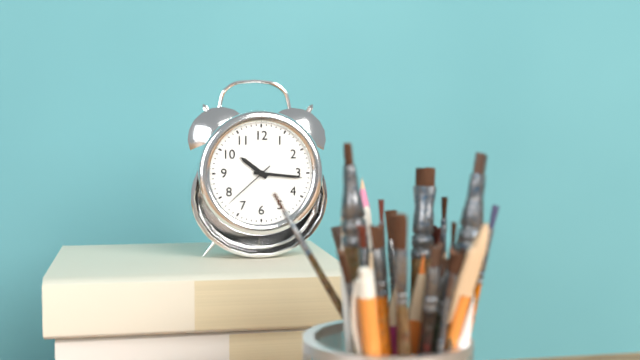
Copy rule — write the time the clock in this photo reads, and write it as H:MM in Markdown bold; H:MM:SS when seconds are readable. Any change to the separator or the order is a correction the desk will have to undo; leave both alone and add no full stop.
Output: **10:16:38**
